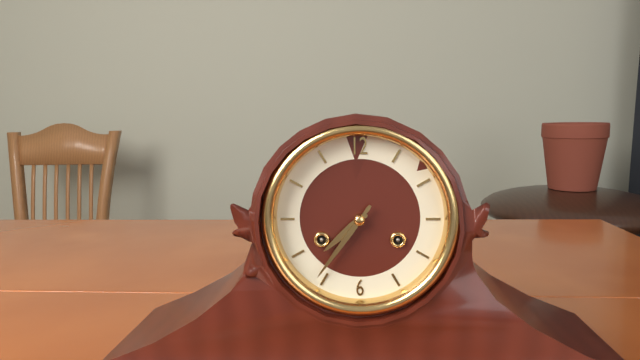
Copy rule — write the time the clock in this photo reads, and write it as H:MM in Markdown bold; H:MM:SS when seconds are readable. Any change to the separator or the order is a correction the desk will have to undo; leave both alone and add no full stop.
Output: **7:36**
